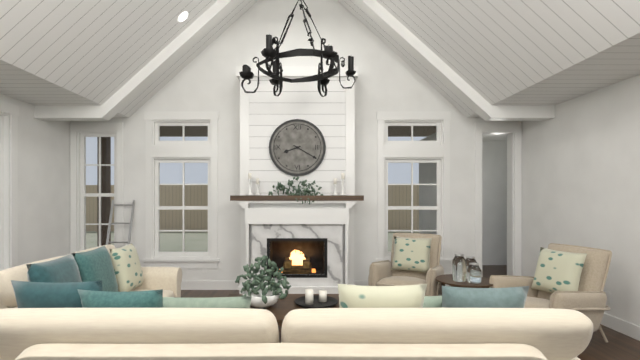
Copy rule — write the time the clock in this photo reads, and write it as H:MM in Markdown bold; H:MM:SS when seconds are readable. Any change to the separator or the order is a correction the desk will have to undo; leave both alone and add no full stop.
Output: **8:20**
